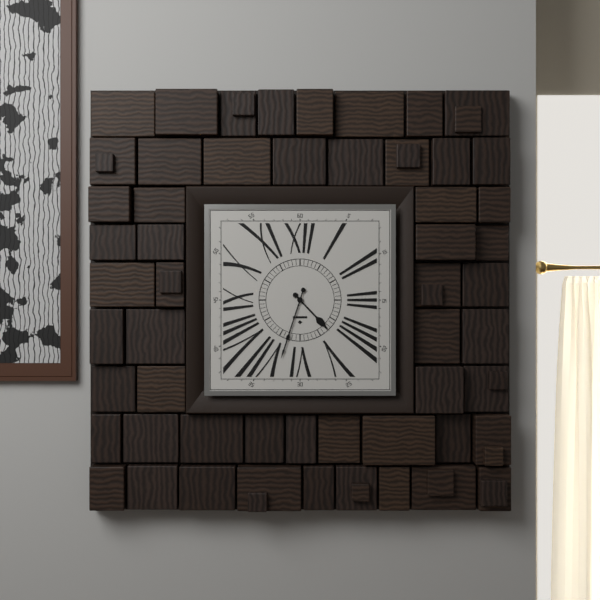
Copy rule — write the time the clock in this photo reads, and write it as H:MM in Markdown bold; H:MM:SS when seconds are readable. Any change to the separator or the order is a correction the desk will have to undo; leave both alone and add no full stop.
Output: **4:33**
